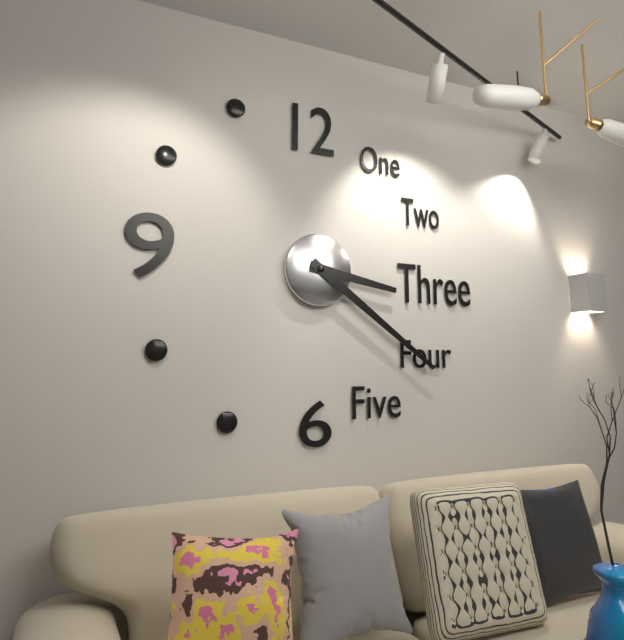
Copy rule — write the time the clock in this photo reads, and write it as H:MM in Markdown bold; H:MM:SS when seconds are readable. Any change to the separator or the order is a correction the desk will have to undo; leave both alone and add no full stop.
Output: **3:21**
